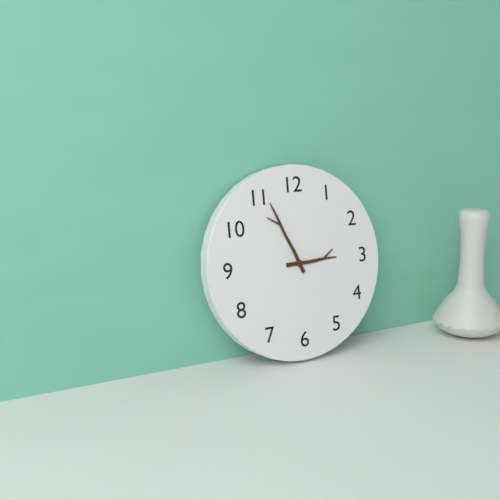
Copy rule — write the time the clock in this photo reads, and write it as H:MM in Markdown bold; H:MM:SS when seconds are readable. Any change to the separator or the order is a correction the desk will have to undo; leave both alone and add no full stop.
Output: **2:56**
